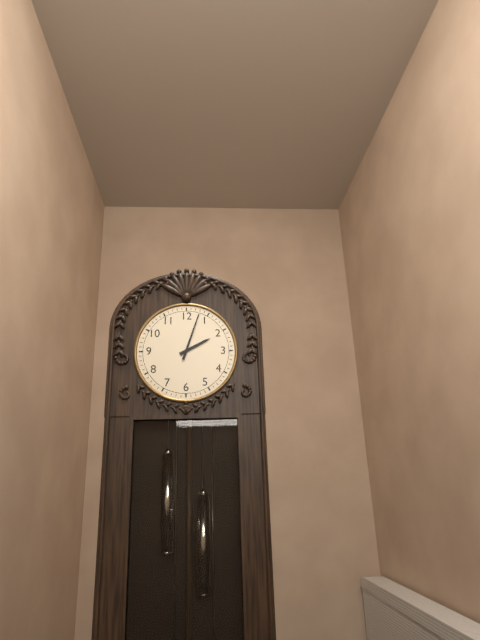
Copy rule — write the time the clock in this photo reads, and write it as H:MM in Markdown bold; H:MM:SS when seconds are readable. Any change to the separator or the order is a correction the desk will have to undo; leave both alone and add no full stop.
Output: **2:03**
